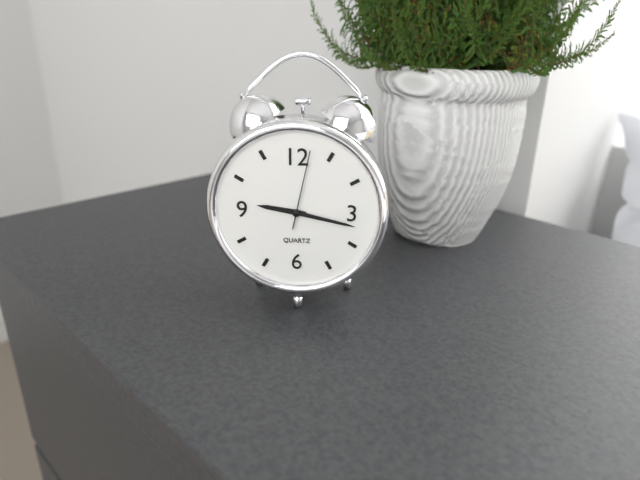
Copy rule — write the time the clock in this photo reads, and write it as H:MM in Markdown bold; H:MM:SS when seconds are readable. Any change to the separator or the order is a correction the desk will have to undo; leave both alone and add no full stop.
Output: **9:17:02**
